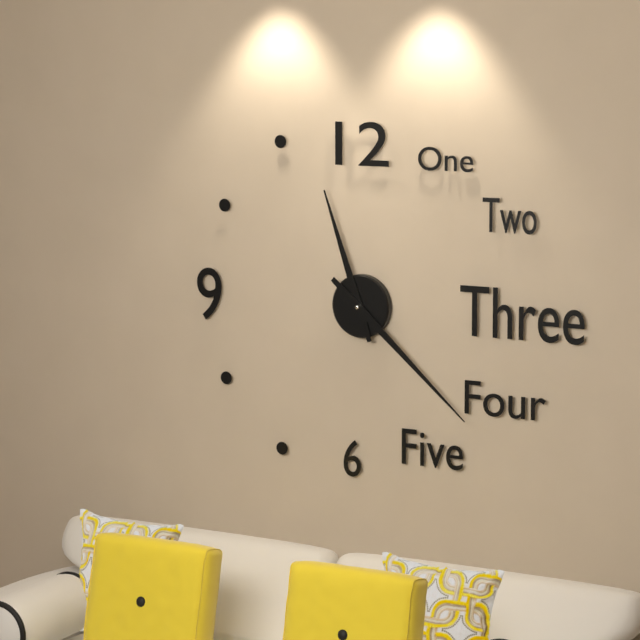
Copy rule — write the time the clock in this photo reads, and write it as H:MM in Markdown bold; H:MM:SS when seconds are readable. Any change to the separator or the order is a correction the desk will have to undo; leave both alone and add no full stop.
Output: **11:22**
